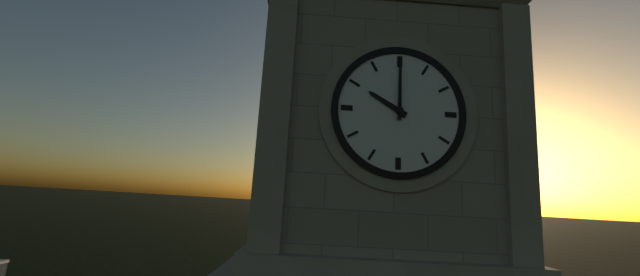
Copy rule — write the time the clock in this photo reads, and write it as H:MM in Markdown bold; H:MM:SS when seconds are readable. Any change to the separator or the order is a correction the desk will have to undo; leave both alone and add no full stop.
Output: **10:00**
